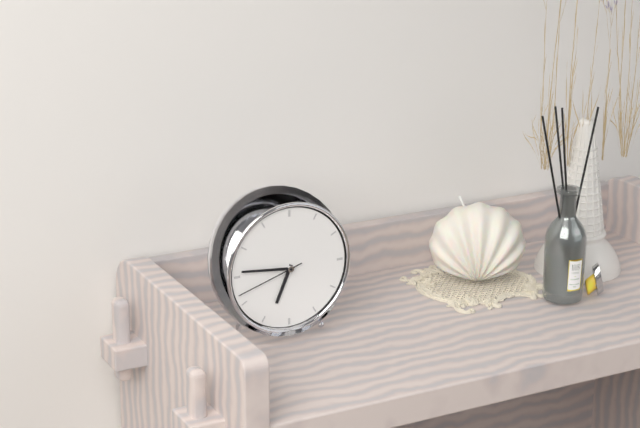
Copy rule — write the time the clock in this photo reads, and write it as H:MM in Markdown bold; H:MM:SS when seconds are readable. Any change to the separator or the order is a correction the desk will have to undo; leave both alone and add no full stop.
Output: **6:46:42**
